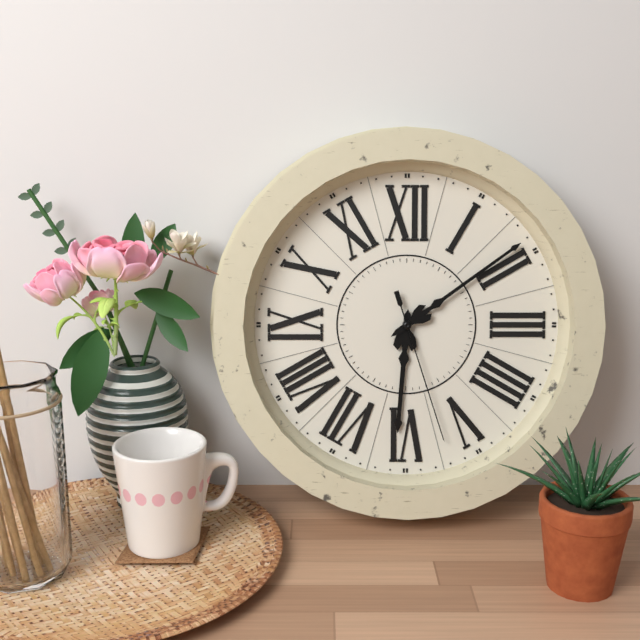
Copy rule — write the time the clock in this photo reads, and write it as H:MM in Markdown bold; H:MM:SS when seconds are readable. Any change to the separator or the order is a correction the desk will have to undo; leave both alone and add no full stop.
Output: **6:09:27**
